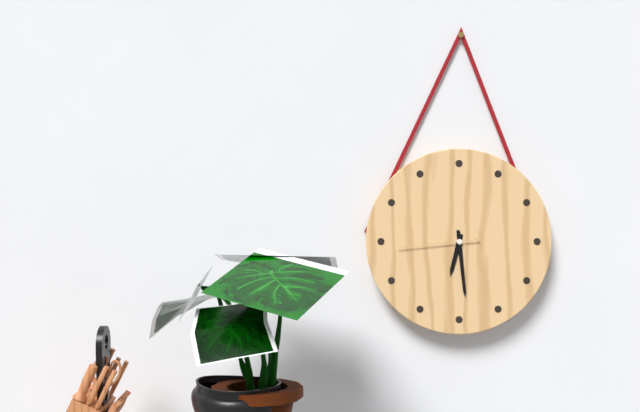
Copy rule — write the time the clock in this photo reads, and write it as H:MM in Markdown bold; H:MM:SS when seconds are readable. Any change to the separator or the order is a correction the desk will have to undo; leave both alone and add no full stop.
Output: **6:29:44**
